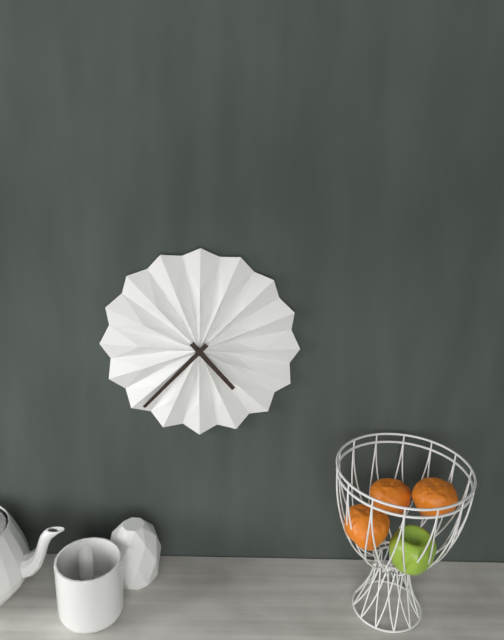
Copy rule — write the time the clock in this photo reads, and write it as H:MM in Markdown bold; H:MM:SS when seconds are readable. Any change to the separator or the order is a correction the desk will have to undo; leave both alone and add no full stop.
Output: **4:37**
